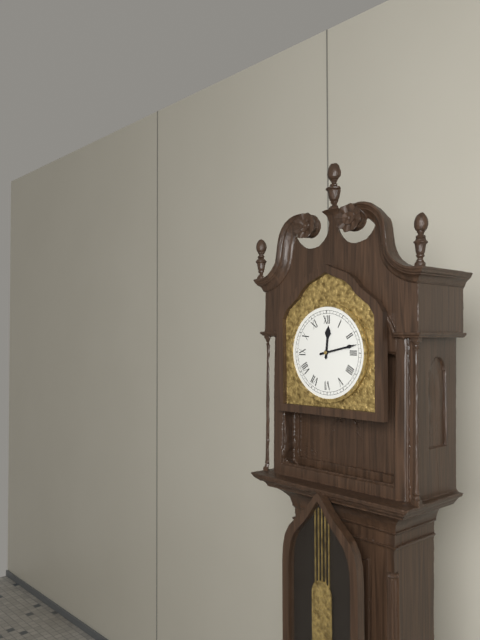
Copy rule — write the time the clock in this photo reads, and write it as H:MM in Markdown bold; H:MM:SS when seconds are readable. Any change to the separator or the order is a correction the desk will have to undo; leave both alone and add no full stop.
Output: **12:13**
